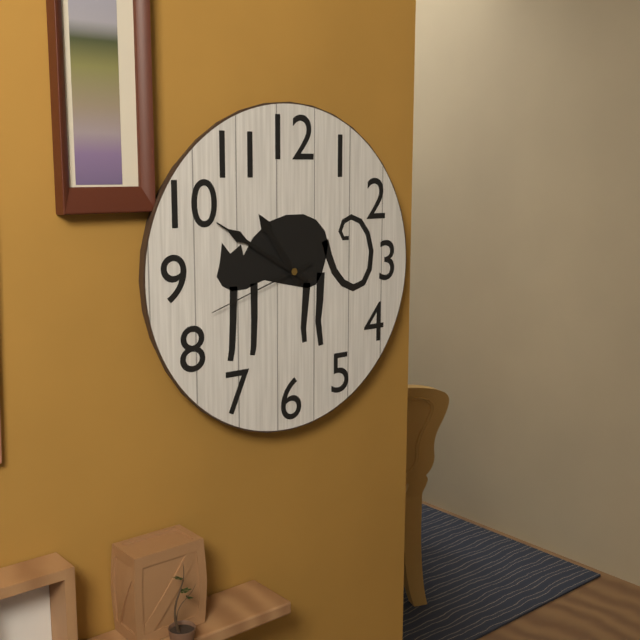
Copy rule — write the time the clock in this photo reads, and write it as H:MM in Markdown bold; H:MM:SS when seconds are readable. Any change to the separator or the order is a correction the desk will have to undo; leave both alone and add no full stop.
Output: **10:50:42**
